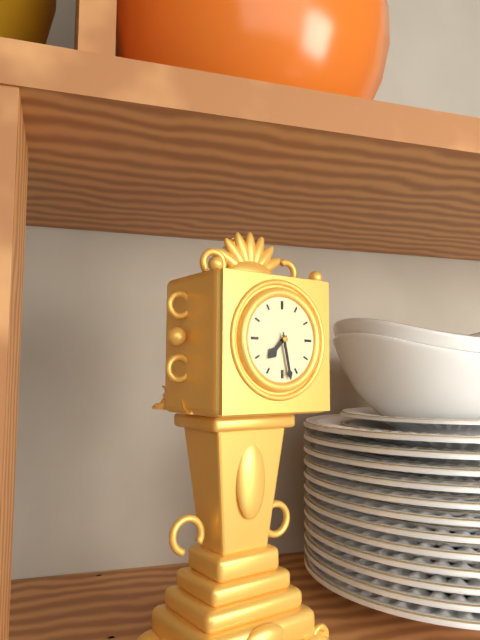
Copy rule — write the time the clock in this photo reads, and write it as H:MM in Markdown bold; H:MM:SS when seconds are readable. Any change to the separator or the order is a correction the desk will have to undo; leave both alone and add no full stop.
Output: **7:28**
